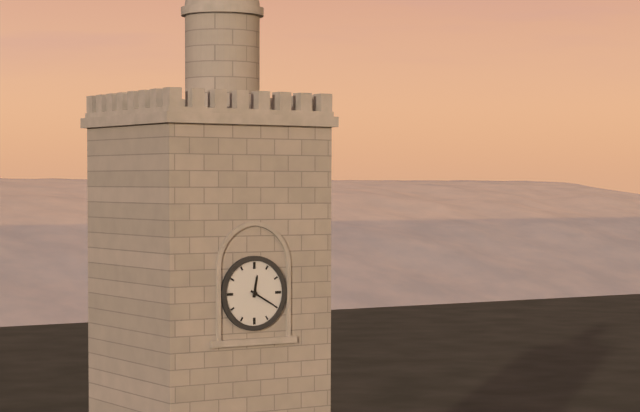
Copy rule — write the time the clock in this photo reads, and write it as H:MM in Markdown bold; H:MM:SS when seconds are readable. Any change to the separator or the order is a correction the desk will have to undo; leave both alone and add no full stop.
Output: **12:20**
